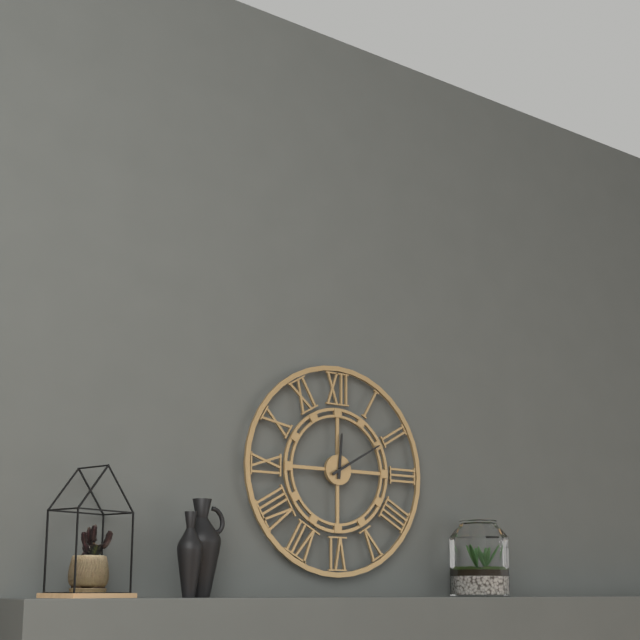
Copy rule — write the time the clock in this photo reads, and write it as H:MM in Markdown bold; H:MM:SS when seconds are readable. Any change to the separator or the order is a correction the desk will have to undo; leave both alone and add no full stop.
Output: **12:10**
